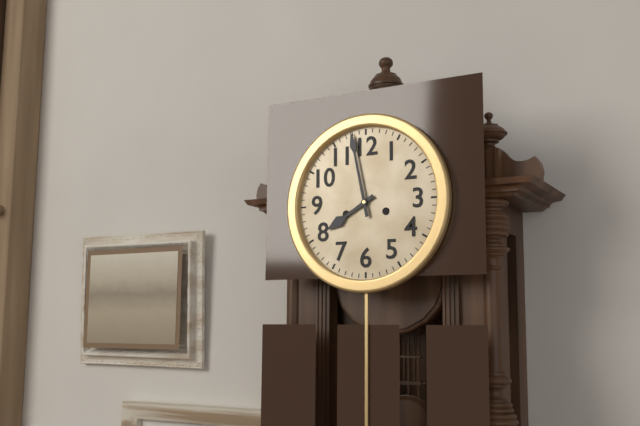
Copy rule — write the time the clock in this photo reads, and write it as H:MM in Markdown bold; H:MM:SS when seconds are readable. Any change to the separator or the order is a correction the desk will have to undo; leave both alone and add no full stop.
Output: **7:58**
